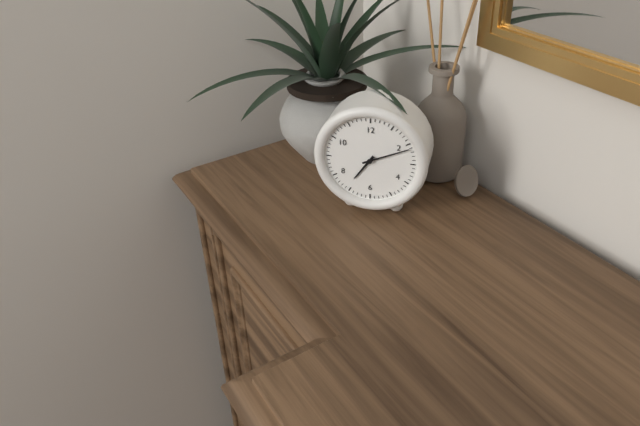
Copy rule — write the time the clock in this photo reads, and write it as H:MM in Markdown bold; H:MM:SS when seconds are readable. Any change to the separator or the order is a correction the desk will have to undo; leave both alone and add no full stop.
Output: **7:11**
